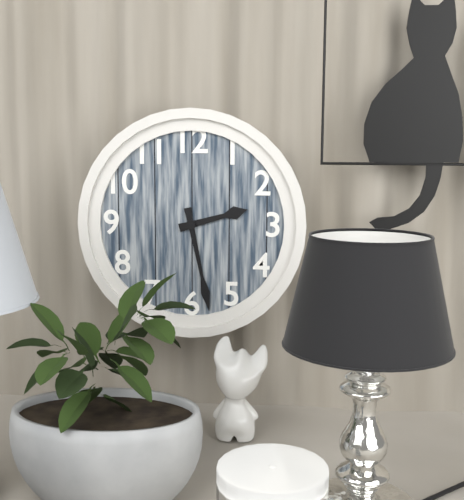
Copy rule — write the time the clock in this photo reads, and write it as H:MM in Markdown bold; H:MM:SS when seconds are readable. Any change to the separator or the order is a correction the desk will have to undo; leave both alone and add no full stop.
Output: **2:28**
